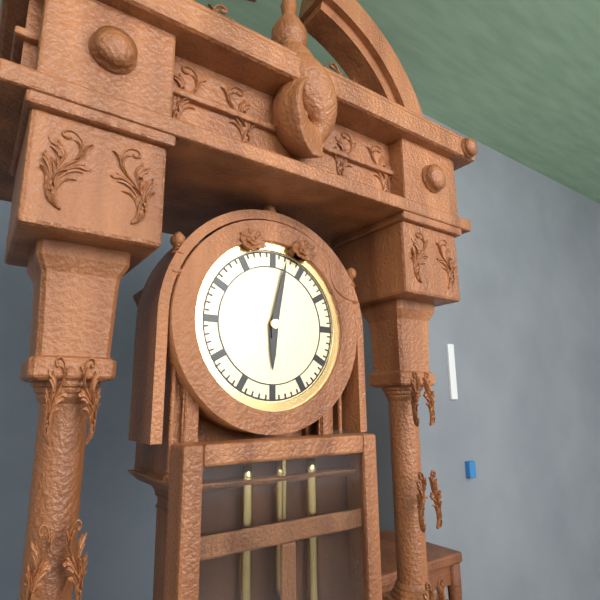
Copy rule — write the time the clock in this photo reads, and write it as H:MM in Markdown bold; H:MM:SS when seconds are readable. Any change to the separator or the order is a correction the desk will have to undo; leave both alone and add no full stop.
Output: **6:02**
